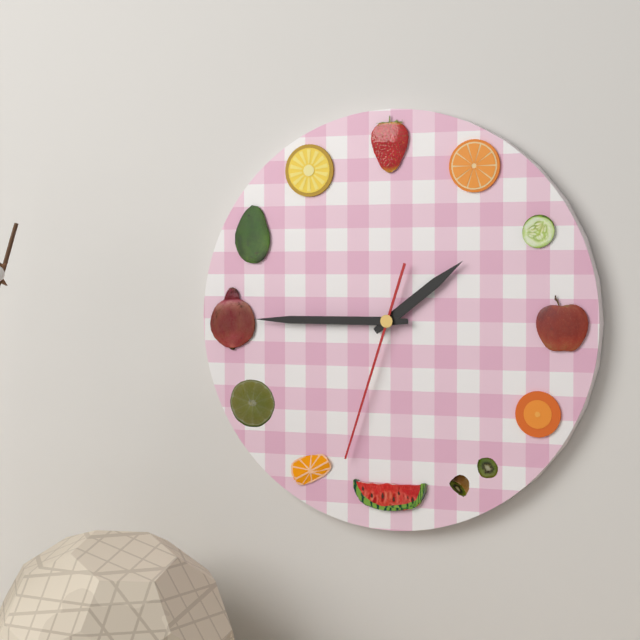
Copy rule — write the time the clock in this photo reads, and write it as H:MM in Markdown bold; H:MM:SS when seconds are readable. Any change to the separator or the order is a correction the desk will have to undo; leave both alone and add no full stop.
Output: **1:45:33**
